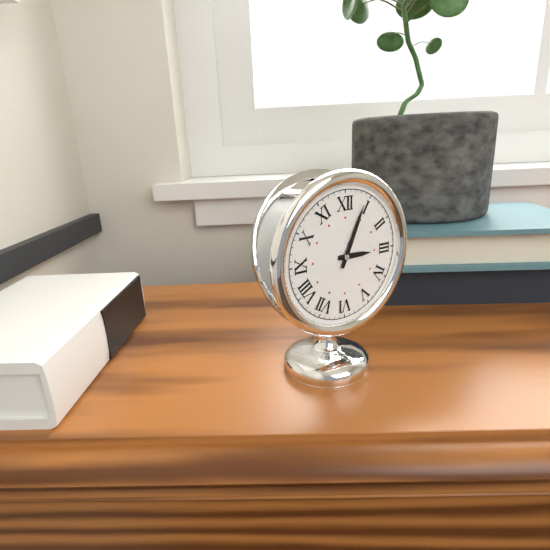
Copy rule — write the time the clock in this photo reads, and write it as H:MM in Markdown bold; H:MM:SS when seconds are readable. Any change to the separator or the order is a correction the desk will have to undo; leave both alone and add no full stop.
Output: **3:04**
